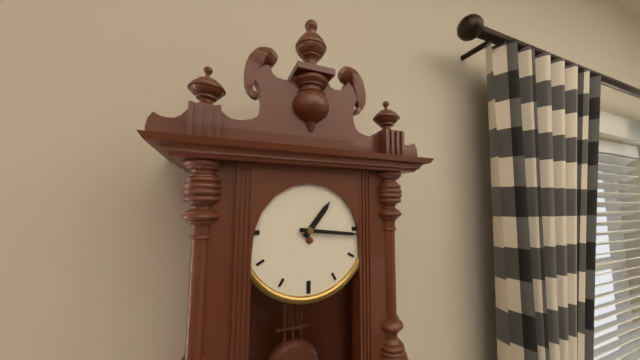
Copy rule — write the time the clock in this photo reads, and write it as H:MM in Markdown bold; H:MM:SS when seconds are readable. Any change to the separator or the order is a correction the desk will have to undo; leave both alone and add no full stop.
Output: **1:16**
